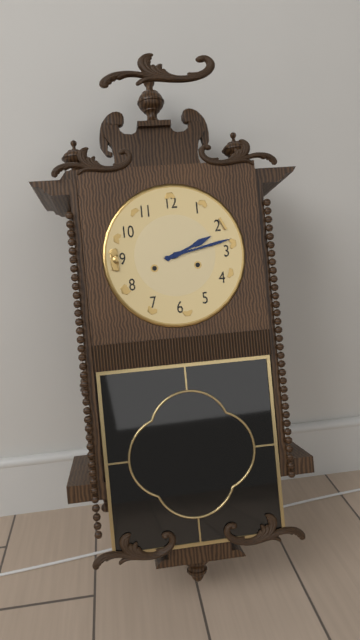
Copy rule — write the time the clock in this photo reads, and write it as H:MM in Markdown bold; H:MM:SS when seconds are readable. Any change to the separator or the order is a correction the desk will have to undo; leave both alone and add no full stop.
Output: **2:13**
